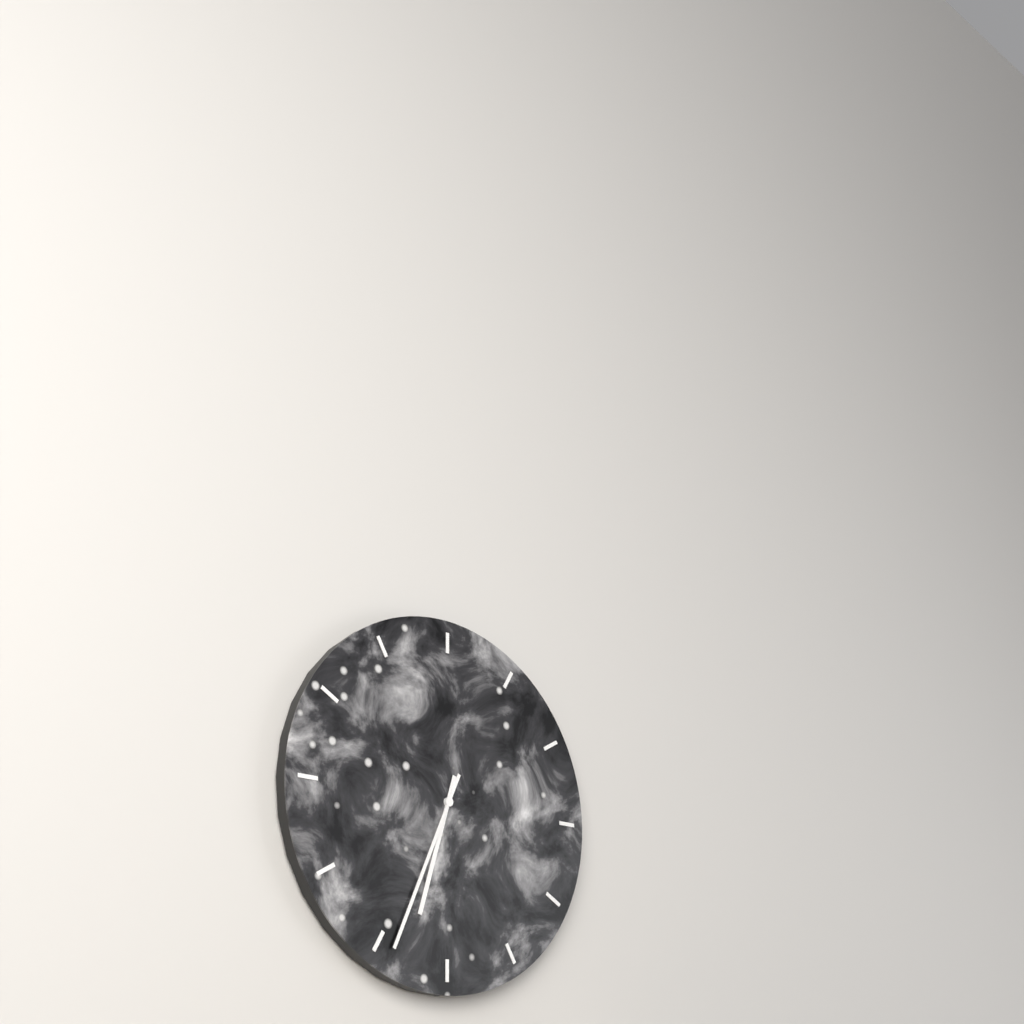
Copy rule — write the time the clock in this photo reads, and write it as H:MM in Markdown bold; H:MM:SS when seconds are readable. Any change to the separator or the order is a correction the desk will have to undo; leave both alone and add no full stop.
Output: **6:34**
